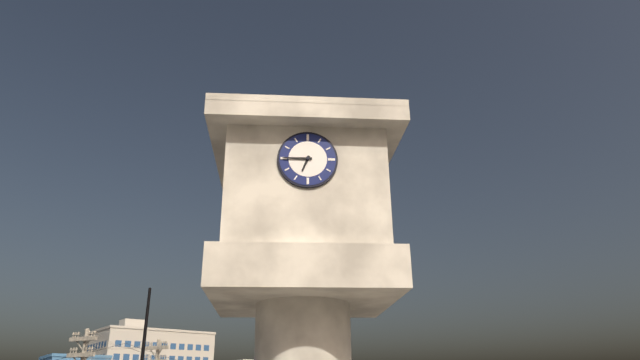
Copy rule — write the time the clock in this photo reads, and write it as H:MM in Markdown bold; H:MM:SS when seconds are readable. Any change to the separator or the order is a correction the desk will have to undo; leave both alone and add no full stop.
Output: **6:45**
